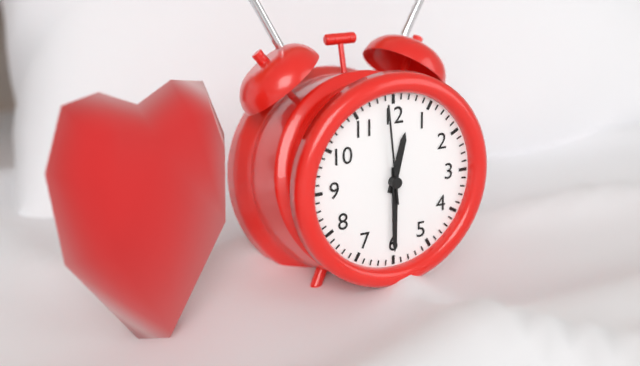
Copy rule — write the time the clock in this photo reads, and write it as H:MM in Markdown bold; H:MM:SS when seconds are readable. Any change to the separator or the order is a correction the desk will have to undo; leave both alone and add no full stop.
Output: **12:30:59**
